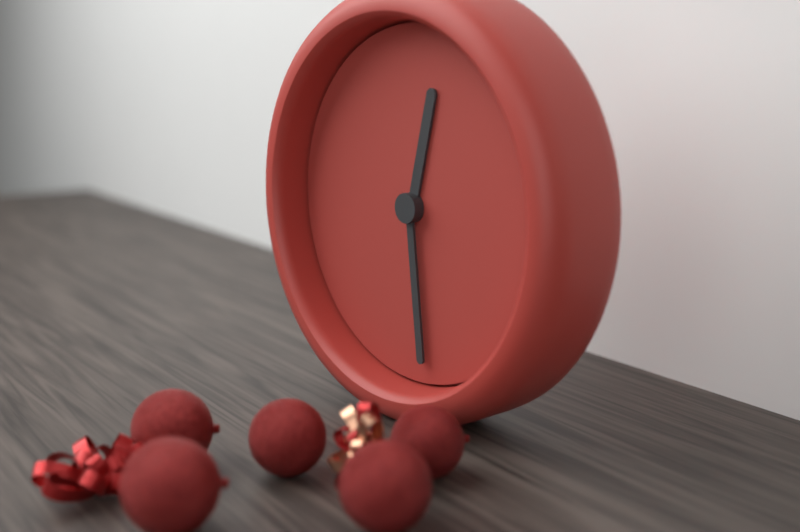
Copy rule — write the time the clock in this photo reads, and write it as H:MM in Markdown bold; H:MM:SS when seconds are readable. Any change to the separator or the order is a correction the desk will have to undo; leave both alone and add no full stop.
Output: **12:29**
